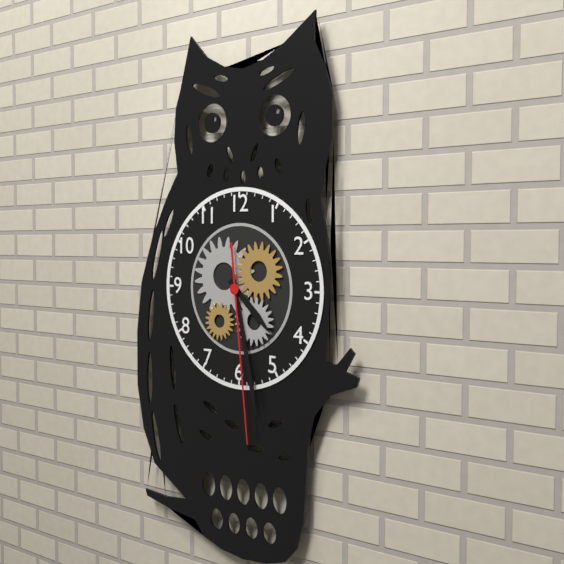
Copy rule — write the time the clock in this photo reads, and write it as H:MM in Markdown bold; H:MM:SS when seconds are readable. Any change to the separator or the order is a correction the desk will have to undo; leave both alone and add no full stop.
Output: **4:28:29**
